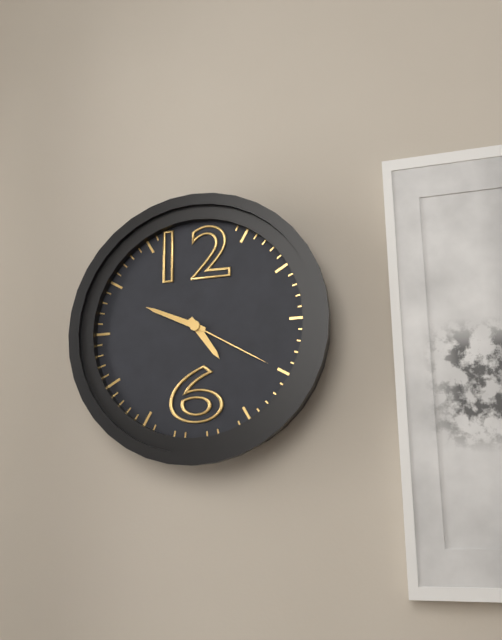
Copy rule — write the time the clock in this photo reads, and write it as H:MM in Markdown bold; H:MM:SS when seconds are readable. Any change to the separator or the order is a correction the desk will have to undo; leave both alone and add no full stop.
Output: **4:49:20**
